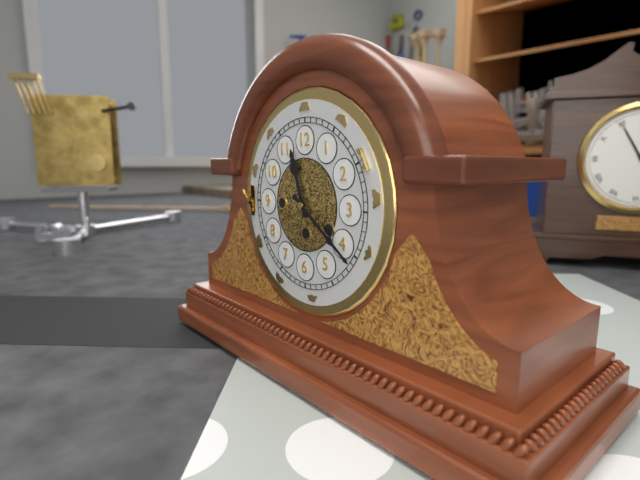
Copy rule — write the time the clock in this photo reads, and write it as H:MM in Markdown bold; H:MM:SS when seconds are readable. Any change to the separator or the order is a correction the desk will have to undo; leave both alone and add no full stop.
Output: **11:21**
